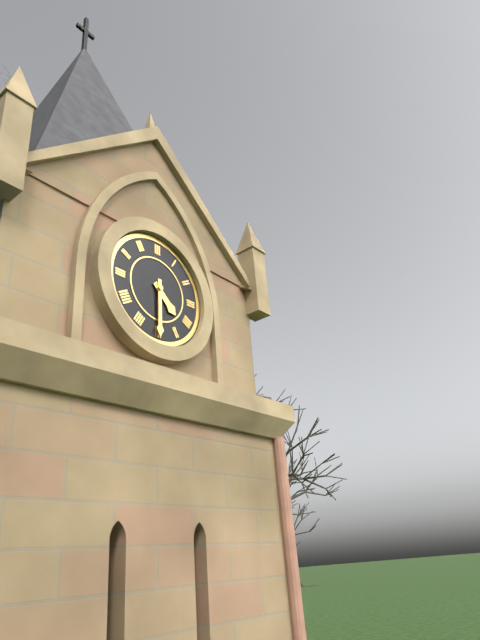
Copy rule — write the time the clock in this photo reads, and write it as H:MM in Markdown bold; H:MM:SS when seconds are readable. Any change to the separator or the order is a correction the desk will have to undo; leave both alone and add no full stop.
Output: **4:30**
